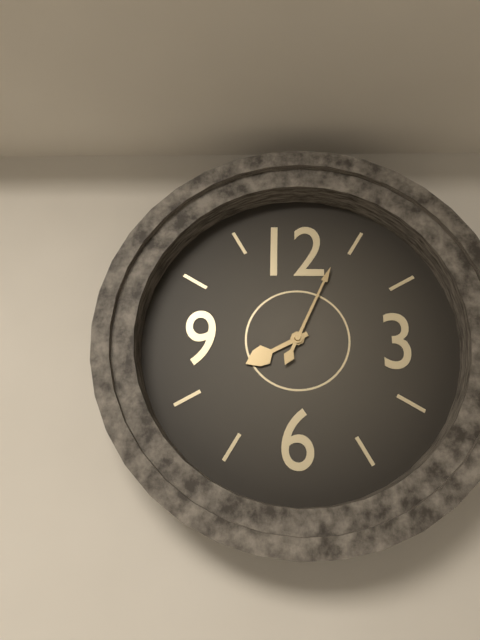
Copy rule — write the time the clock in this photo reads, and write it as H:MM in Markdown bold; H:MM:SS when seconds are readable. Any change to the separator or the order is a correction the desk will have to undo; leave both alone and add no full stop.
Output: **8:04**
